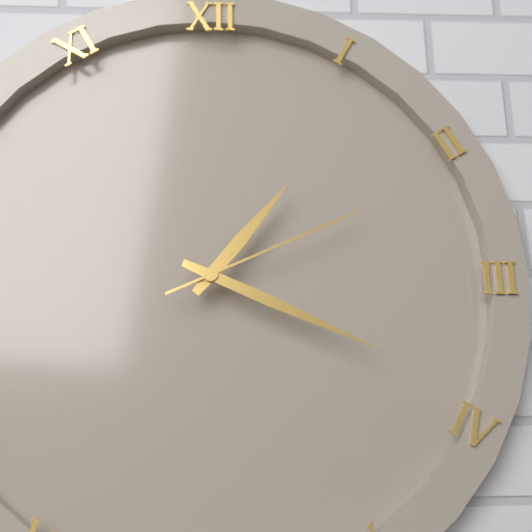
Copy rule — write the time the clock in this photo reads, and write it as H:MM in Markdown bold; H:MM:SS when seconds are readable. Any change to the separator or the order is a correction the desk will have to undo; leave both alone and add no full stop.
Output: **1:19:11**
